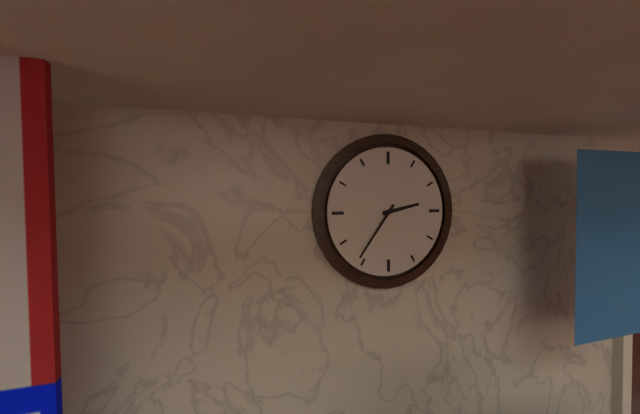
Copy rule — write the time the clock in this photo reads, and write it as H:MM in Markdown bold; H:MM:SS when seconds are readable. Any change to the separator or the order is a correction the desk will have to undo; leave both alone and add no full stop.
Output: **2:36**
